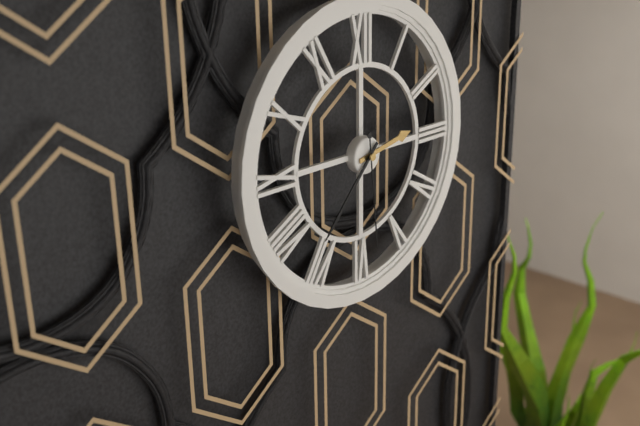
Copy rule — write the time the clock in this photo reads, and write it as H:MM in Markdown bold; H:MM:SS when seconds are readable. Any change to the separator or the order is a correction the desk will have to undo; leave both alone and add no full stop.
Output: **2:37:29**
